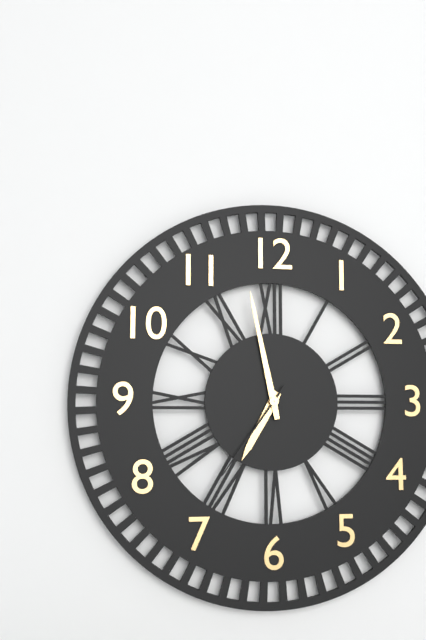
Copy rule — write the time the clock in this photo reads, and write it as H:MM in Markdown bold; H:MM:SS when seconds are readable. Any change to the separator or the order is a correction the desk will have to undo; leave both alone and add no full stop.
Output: **6:58:36**
